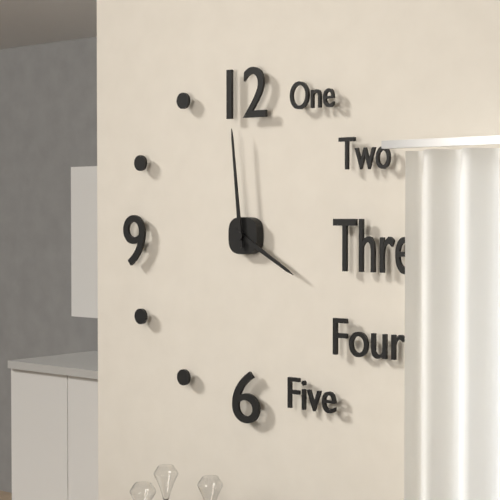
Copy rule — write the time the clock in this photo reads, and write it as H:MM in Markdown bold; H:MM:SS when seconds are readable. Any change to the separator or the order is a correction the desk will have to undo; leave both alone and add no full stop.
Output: **3:59**
